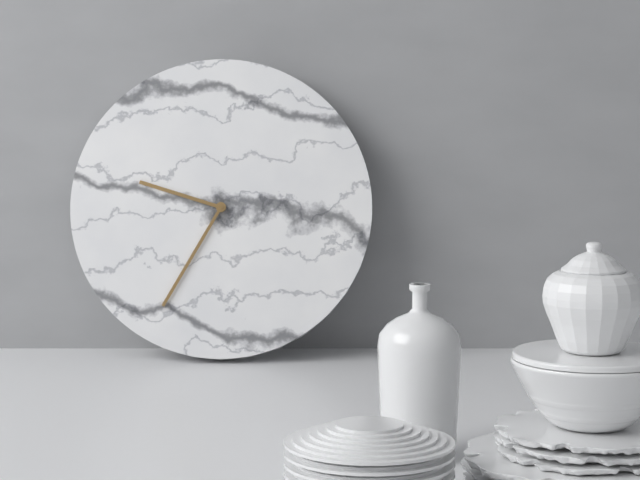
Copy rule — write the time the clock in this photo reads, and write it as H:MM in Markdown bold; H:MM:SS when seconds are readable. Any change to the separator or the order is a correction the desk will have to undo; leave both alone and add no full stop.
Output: **9:35**
